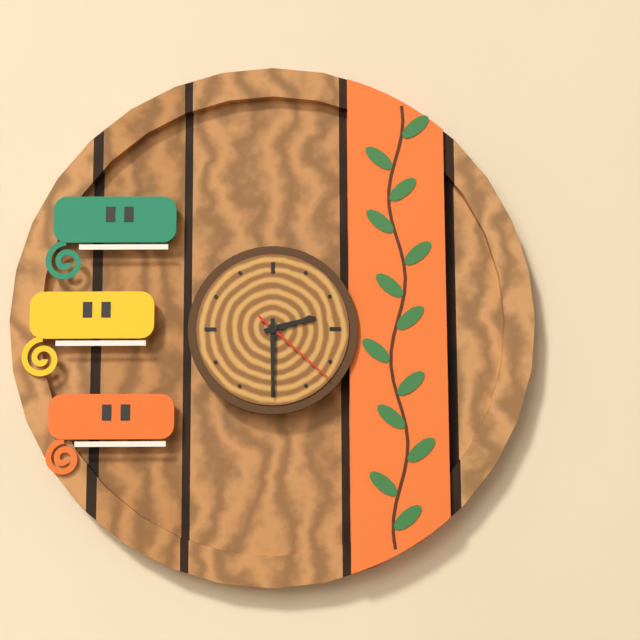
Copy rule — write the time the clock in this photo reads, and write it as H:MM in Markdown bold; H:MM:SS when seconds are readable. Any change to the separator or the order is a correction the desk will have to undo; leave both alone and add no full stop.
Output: **2:30:22**
